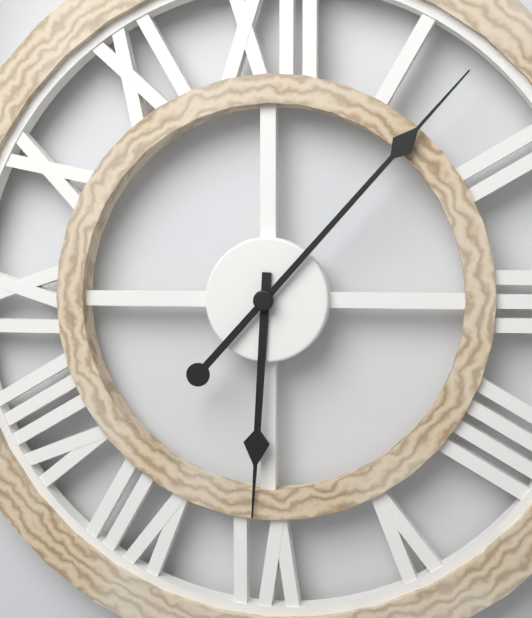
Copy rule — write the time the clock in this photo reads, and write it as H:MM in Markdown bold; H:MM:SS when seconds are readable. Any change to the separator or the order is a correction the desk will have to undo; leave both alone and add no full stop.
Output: **6:07**
